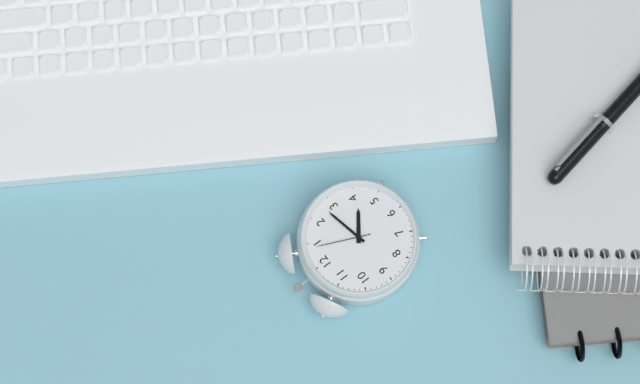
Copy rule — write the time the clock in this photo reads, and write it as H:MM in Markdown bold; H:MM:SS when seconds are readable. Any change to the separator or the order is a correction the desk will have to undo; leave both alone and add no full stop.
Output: **4:13:04**
